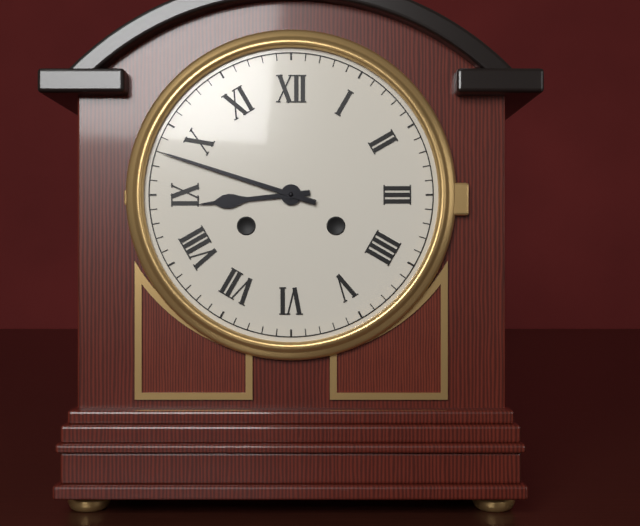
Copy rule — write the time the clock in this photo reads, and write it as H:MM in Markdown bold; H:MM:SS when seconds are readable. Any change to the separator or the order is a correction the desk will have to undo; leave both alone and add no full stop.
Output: **8:48**
